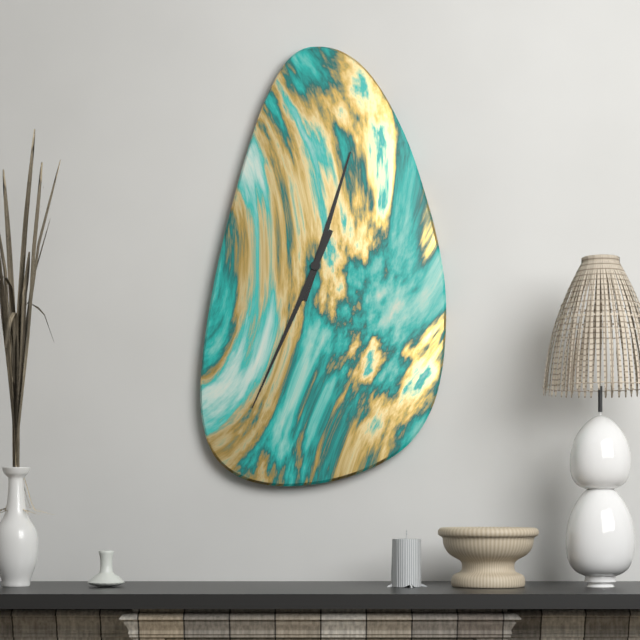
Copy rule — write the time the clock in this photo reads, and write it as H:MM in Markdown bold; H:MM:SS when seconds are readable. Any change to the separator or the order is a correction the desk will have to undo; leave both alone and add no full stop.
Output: **12:34**
